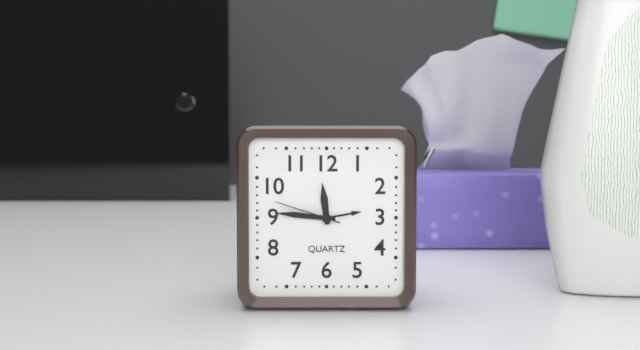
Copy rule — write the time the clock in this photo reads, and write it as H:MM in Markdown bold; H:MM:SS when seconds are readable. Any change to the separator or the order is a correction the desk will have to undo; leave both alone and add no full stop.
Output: **11:46:48**
